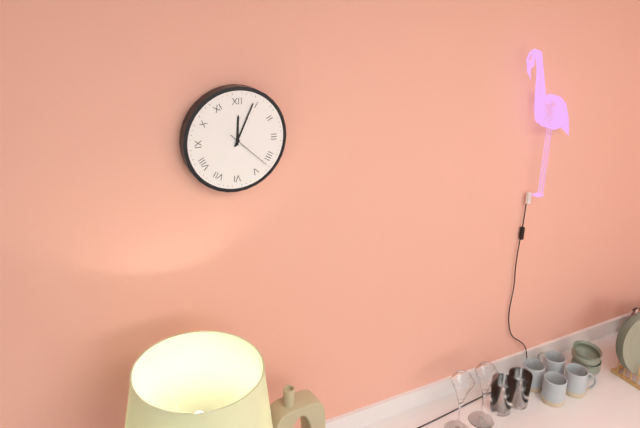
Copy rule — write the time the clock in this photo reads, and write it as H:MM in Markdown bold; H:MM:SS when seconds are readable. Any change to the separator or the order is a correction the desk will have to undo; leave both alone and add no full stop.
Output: **12:04**
